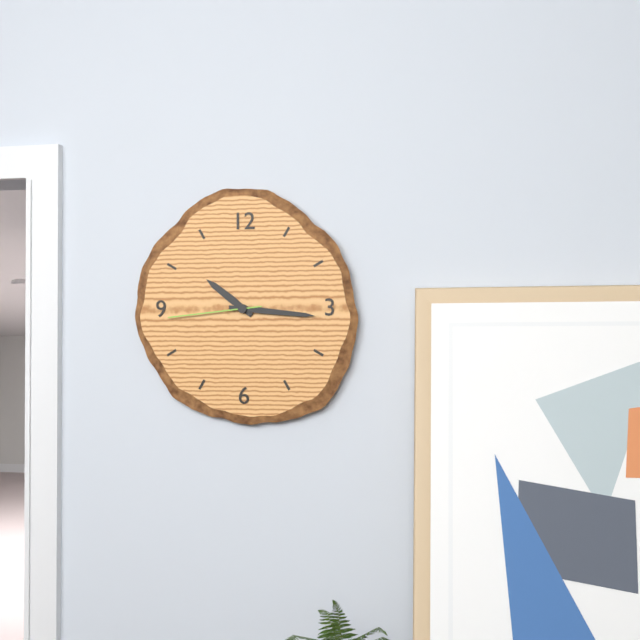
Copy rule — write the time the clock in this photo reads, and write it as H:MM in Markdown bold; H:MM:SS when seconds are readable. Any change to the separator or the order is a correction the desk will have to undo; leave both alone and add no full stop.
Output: **10:16:44**
